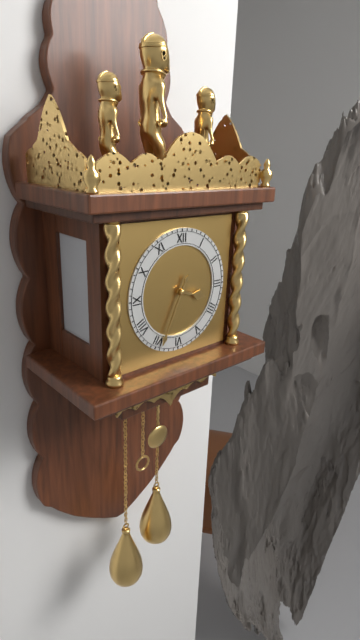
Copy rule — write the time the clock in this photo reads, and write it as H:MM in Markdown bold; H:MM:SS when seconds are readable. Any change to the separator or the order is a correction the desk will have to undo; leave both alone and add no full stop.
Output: **3:34**
